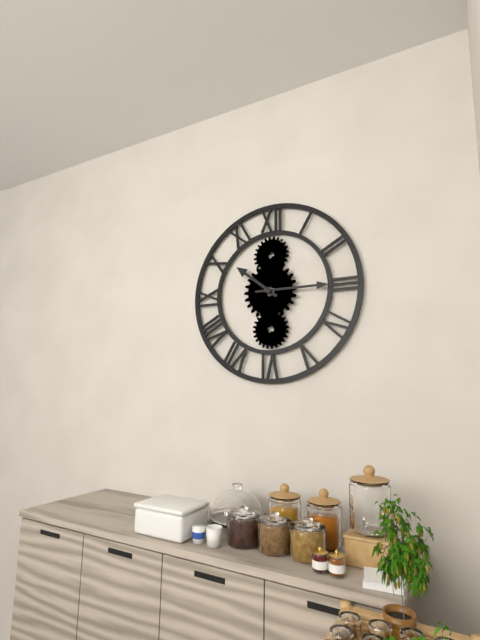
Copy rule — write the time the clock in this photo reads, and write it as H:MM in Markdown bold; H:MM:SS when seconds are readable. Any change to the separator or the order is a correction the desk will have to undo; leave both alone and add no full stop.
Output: **10:15**
